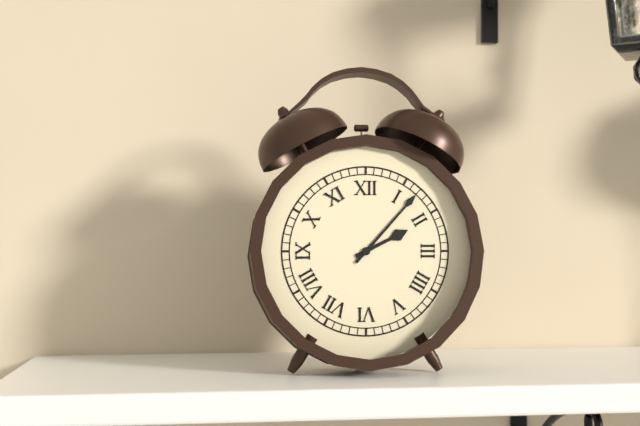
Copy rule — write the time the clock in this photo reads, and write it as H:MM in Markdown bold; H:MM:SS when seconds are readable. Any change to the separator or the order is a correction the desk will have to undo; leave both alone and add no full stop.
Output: **2:07**
